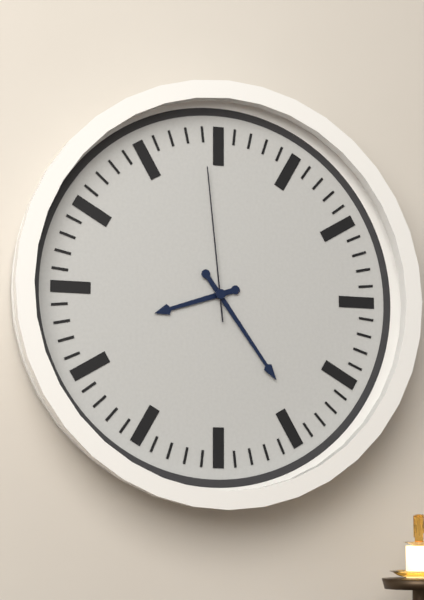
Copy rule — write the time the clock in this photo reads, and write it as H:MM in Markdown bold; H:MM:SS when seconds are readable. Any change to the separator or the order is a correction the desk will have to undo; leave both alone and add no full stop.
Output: **8:24:59**
